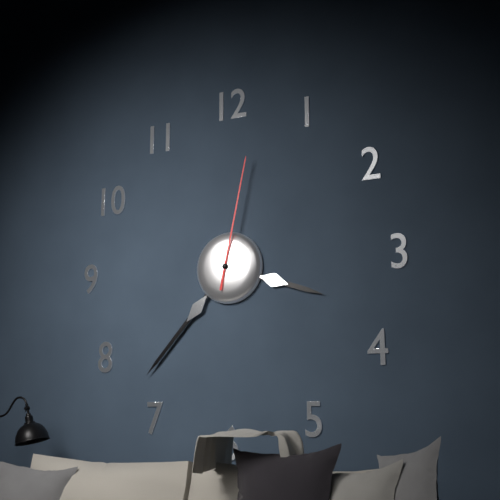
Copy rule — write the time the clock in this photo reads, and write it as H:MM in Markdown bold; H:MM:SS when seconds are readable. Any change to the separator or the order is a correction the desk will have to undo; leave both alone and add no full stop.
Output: **3:37:02**
